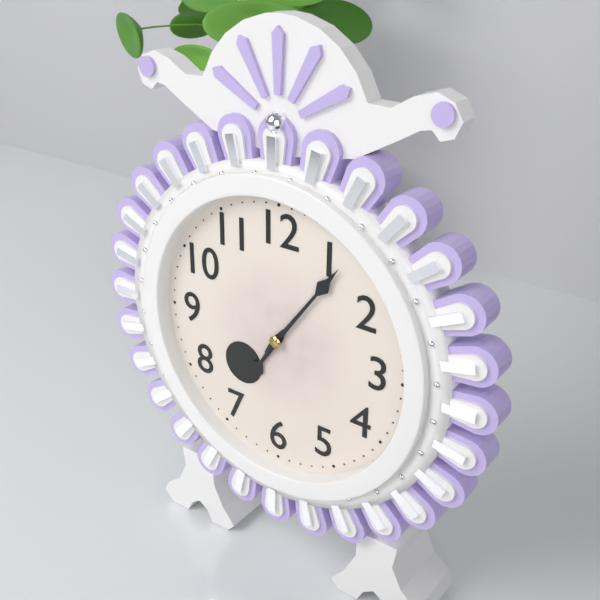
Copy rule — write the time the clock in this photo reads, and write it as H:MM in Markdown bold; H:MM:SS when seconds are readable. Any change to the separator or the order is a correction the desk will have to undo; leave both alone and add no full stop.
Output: **7:06**
